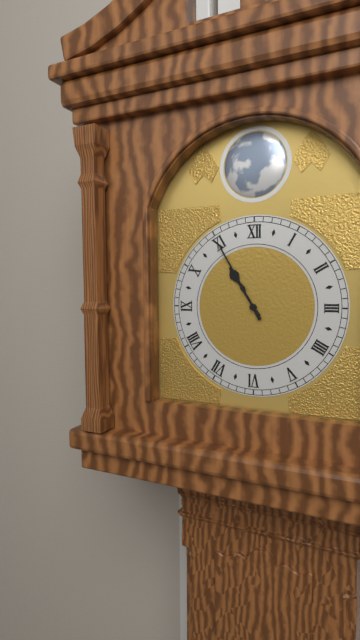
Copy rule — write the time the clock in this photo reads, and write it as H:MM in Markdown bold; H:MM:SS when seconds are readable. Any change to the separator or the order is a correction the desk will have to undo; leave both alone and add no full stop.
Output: **10:55**
